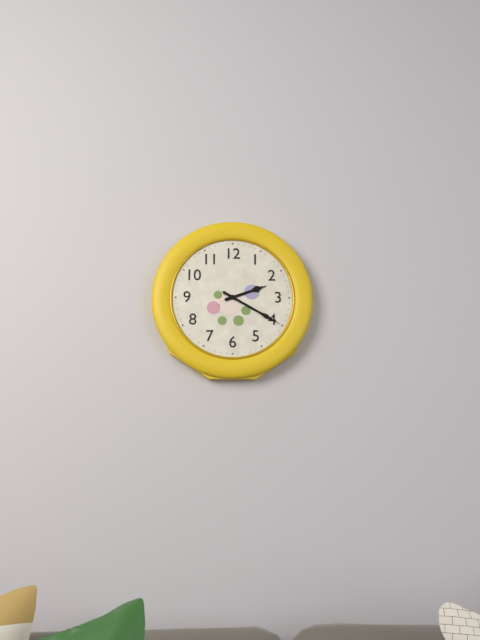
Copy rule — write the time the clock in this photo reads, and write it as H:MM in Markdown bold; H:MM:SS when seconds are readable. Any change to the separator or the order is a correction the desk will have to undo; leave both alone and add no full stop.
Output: **2:20**
